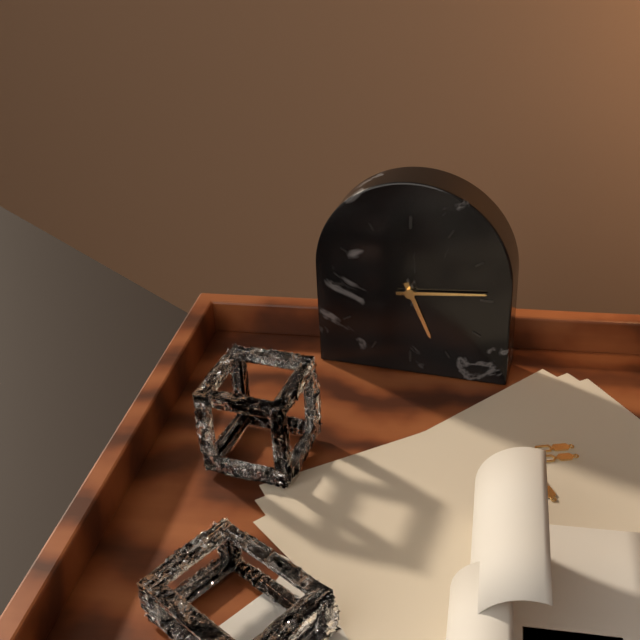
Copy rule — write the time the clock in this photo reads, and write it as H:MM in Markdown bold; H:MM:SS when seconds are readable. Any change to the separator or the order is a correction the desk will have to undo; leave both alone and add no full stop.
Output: **5:14**
